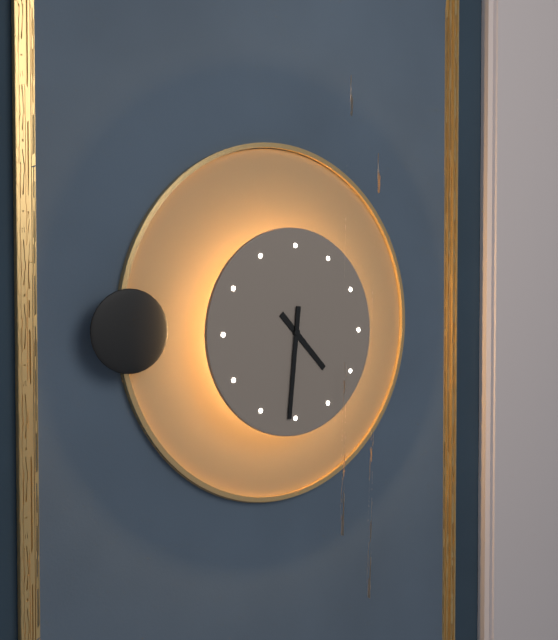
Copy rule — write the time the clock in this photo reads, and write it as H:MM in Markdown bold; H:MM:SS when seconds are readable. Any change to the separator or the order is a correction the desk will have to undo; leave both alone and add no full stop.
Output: **4:31**
